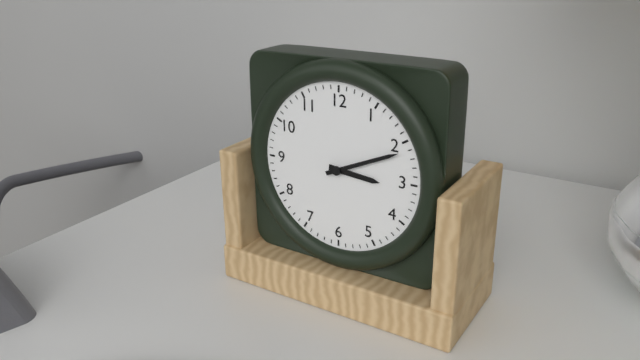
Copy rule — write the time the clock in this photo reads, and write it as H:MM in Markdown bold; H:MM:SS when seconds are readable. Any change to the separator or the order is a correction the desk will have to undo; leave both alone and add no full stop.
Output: **3:11**
